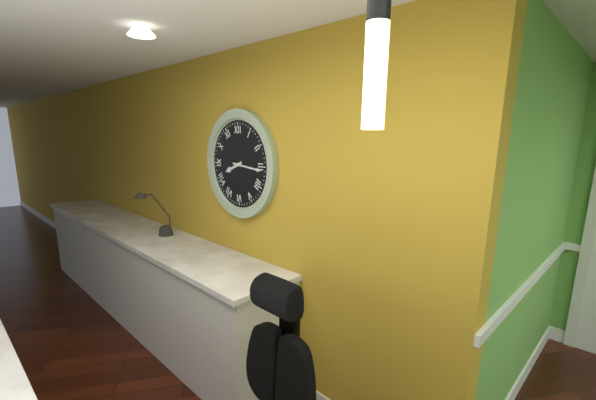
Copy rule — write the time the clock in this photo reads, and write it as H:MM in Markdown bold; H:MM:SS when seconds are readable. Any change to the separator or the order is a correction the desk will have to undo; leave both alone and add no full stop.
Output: **8:16**
